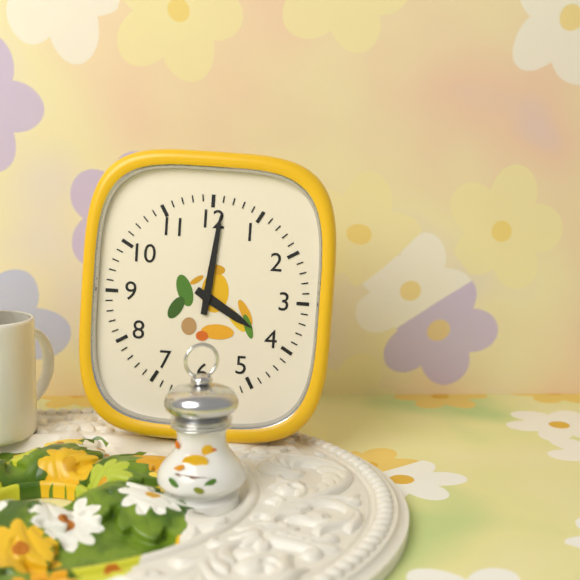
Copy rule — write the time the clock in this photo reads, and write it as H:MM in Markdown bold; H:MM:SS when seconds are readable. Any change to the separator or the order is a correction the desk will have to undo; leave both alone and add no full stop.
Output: **4:01**
